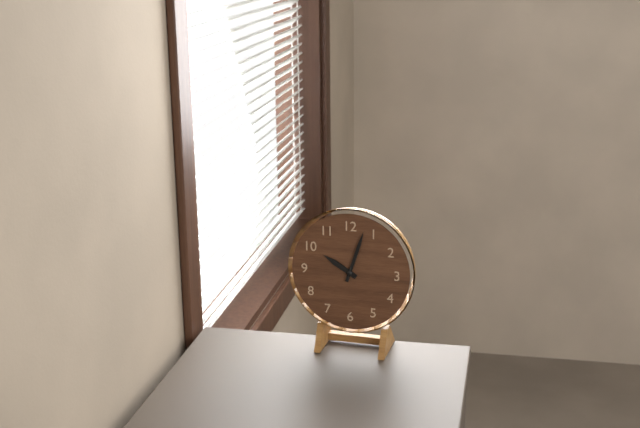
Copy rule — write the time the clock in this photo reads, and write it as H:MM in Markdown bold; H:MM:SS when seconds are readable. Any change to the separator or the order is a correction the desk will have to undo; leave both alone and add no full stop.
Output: **10:03**
